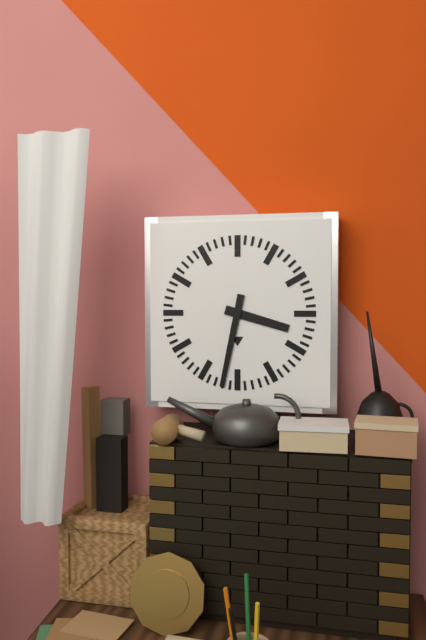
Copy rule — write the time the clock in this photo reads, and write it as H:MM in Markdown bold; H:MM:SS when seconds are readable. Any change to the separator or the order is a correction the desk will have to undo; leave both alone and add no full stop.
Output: **3:32**
